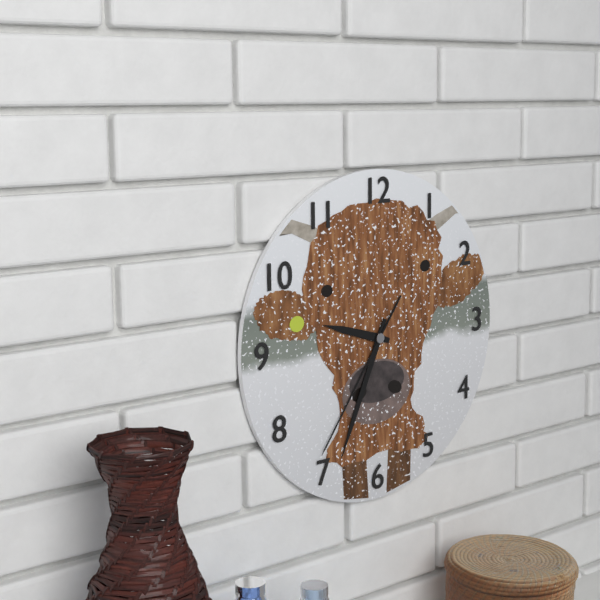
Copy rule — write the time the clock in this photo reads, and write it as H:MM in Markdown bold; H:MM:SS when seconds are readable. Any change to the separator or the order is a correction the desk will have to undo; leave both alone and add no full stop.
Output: **9:34:36**
